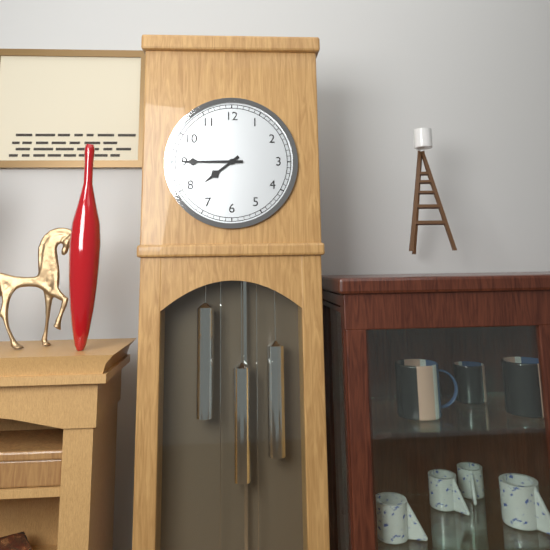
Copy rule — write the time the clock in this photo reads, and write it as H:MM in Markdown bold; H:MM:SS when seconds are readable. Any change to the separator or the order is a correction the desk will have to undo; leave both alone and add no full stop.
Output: **7:45**
